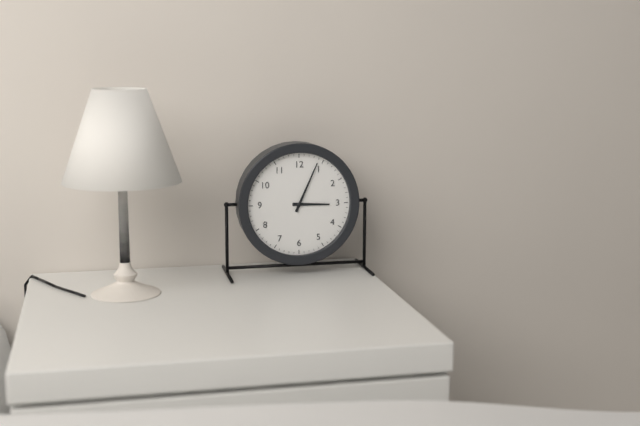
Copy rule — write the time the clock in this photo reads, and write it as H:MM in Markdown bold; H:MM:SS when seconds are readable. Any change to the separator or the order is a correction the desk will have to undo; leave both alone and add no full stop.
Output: **3:04**
